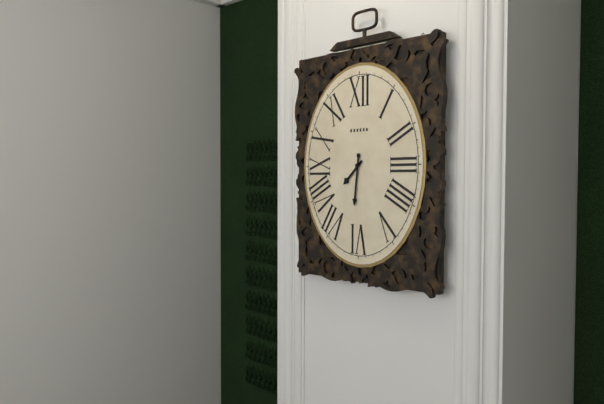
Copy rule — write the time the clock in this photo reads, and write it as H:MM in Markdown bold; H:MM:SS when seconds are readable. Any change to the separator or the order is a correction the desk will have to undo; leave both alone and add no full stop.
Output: **7:31**
